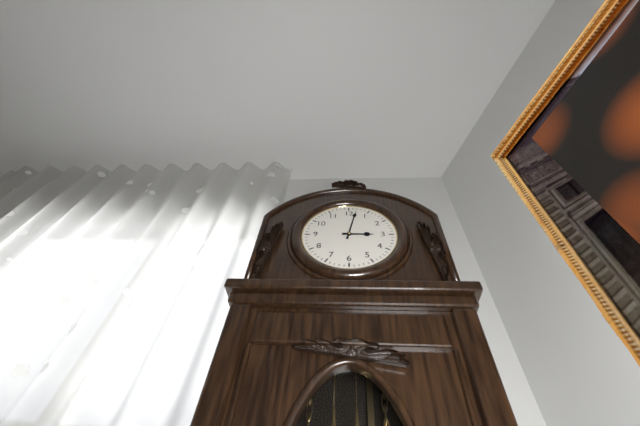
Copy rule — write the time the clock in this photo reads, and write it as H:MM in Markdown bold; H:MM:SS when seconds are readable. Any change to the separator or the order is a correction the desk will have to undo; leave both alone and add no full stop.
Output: **3:02**
